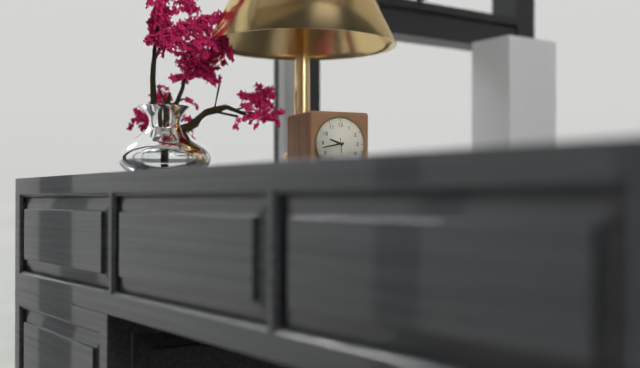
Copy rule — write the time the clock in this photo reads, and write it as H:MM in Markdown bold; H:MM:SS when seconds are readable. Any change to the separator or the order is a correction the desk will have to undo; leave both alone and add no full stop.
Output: **9:43**
